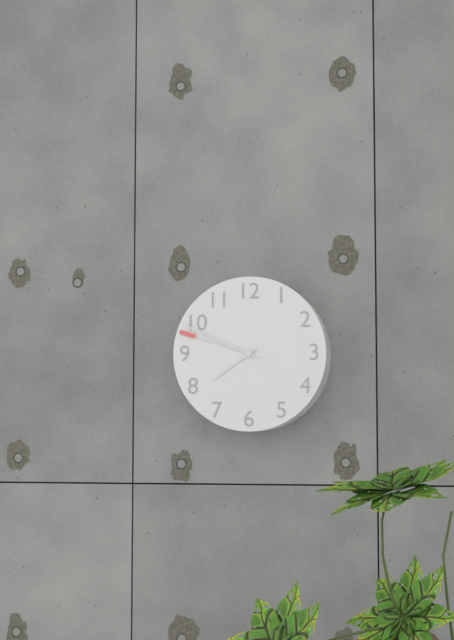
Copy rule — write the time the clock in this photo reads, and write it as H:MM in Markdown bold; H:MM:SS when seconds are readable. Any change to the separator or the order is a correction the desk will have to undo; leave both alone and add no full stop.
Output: **7:49:48**
